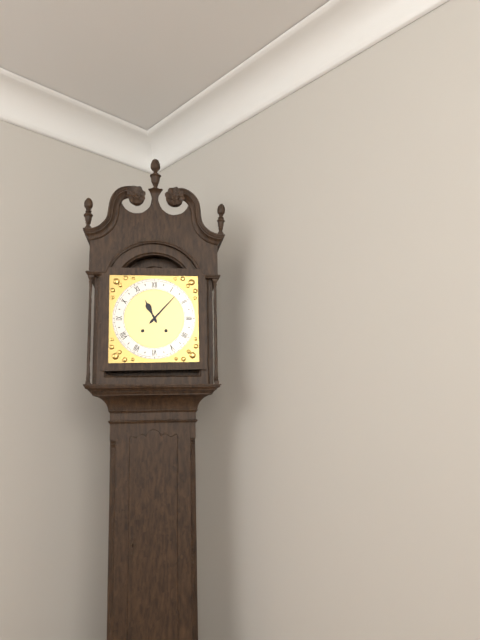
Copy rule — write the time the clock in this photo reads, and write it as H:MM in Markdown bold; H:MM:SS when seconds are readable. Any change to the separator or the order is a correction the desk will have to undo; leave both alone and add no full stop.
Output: **11:07**
